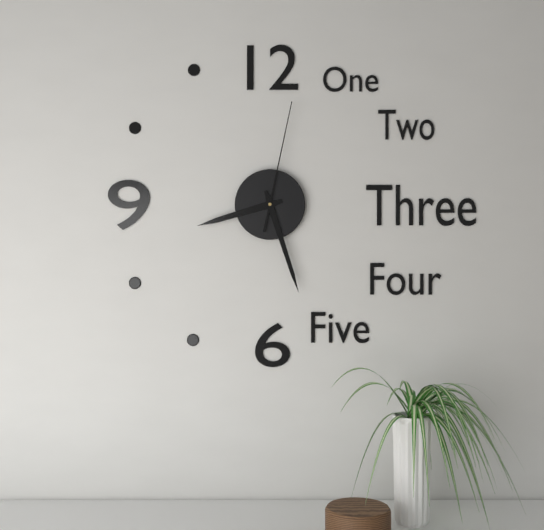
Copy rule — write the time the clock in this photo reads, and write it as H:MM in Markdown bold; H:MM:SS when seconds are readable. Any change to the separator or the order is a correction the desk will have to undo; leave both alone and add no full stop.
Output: **8:27:02**
